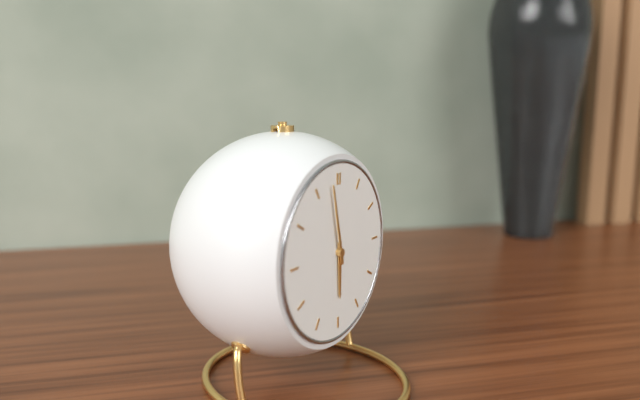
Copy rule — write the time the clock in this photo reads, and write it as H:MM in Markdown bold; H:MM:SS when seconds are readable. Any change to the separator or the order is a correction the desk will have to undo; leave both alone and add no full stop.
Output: **5:58**
